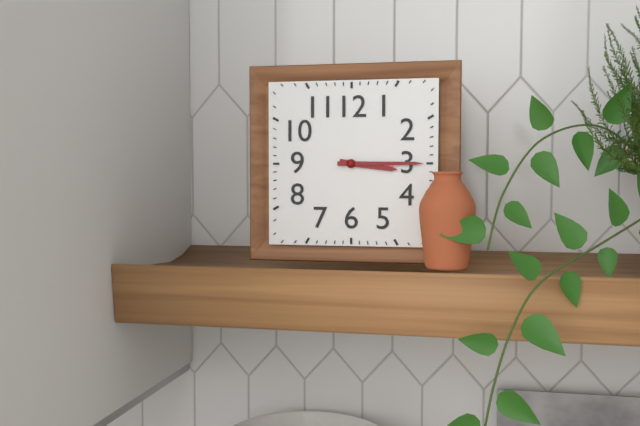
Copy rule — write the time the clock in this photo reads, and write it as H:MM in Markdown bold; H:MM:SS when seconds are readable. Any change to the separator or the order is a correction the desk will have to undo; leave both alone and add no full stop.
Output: **3:15**
